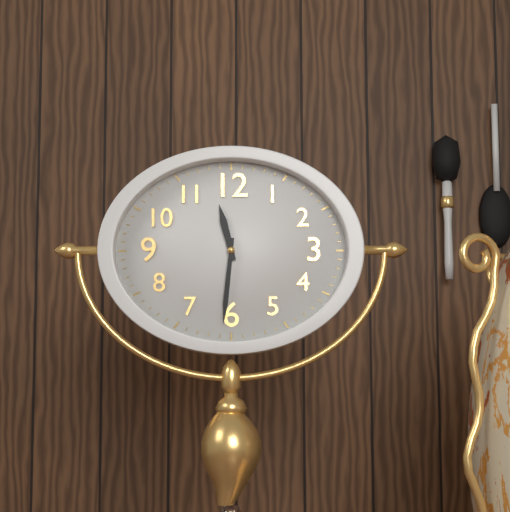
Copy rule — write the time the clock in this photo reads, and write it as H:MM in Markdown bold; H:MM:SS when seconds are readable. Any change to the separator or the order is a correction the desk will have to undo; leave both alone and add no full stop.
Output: **11:31**
